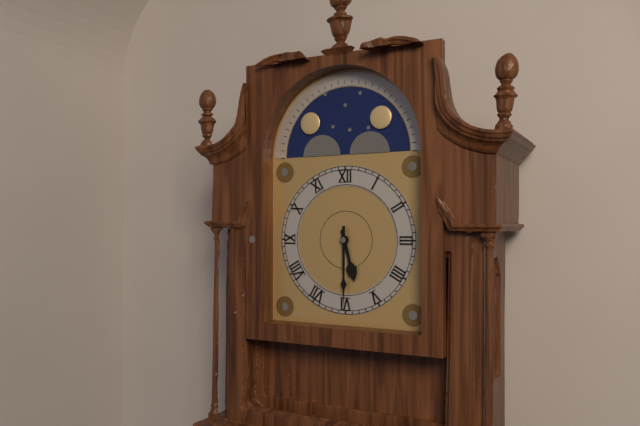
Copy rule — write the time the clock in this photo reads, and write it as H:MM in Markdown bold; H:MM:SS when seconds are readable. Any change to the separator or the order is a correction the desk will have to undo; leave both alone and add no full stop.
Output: **5:30**
